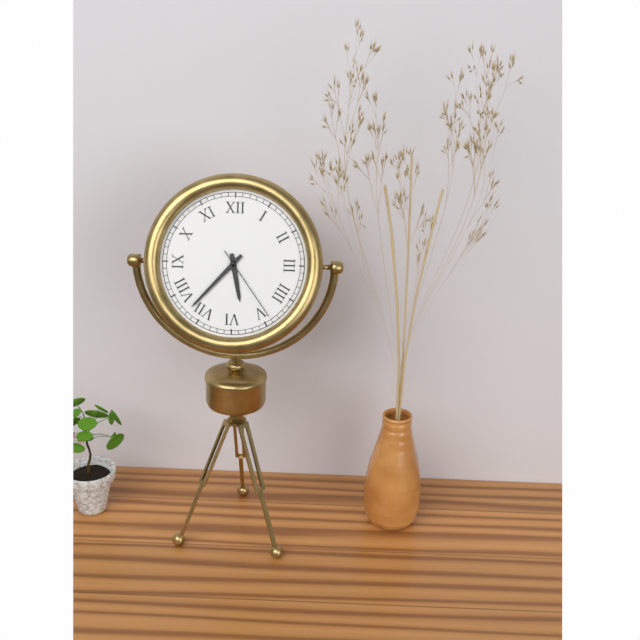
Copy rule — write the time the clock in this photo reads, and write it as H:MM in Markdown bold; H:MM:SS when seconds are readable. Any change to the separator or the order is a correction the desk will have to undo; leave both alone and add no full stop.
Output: **5:37:24**
